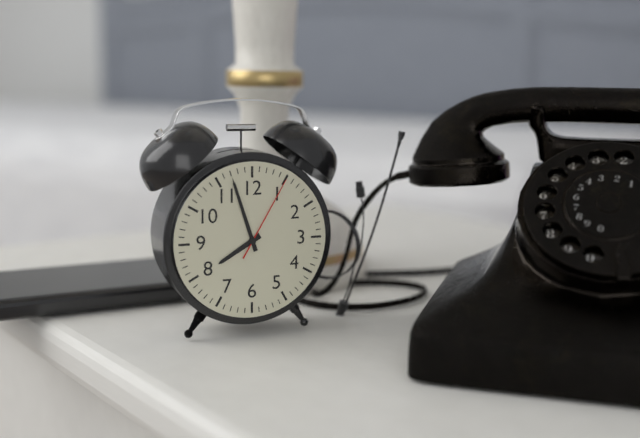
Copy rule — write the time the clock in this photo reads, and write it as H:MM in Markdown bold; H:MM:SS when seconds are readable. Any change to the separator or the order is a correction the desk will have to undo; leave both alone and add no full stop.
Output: **7:57:05**
